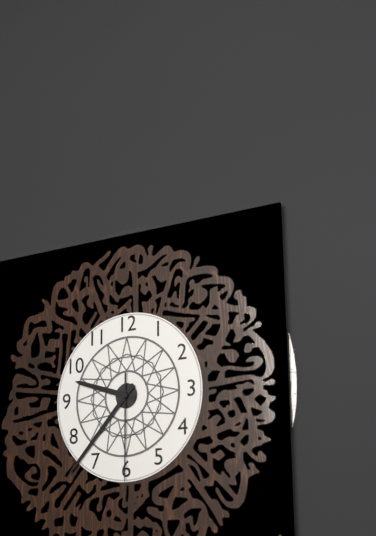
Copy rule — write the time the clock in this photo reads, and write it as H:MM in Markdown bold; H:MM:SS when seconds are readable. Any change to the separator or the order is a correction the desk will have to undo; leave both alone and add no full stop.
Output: **9:37:30**
